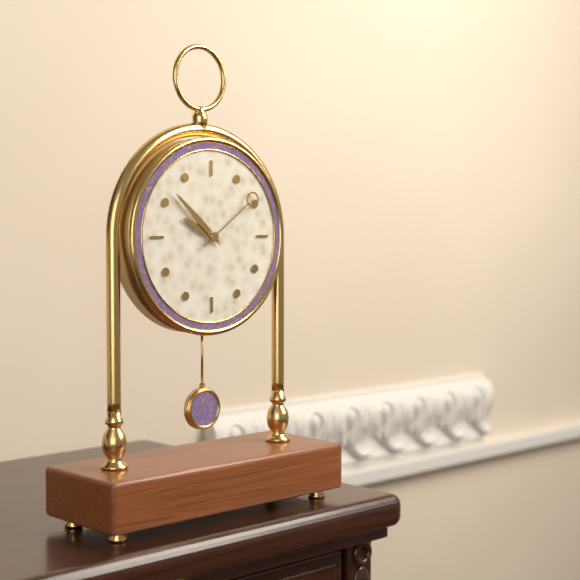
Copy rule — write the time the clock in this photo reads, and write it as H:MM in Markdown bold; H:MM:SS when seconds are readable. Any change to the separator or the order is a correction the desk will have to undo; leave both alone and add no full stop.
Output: **9:52:09**
